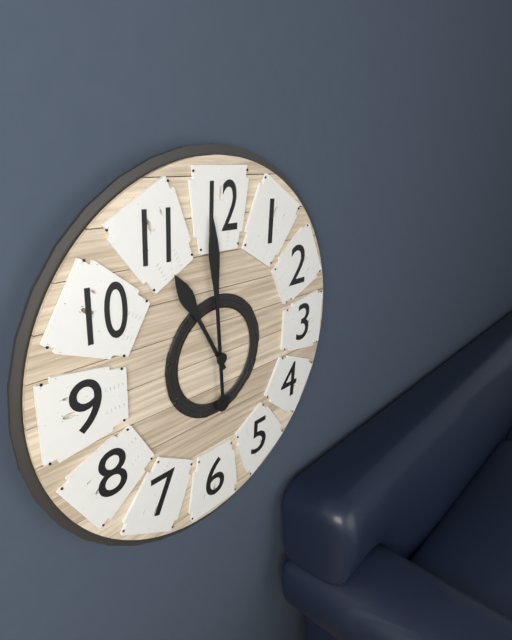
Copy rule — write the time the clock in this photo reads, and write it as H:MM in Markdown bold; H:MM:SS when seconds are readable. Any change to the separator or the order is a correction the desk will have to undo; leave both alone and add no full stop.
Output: **10:59**
